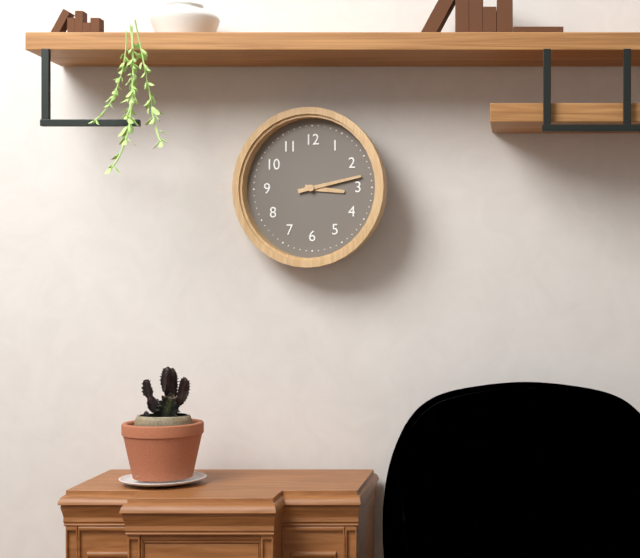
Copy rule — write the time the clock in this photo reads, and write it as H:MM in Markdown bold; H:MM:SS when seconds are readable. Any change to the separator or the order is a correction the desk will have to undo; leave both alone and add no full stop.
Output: **3:13**
